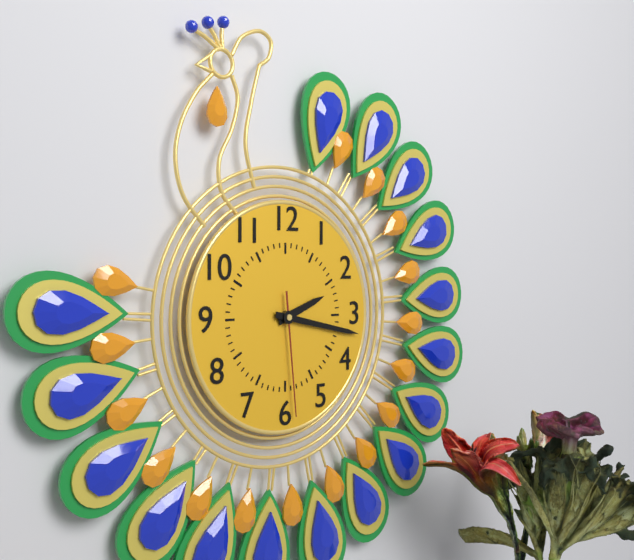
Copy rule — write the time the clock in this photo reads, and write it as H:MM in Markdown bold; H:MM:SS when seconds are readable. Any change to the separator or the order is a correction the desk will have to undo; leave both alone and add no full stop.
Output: **2:17:29**
